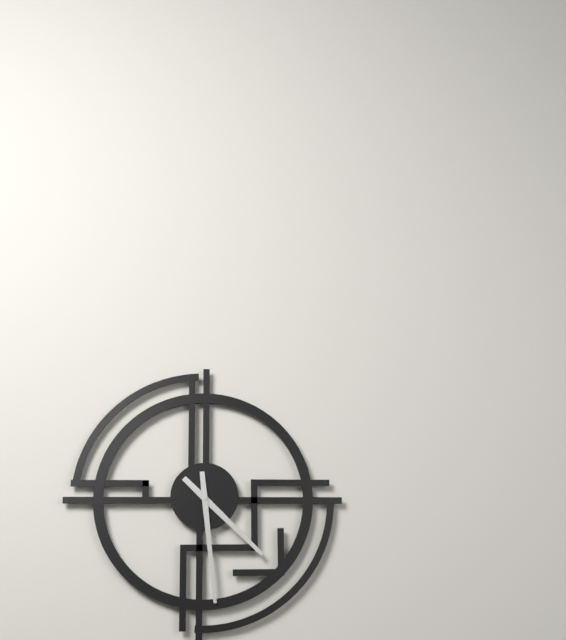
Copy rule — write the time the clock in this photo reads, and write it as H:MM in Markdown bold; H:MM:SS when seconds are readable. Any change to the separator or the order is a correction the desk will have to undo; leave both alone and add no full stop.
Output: **4:29**
